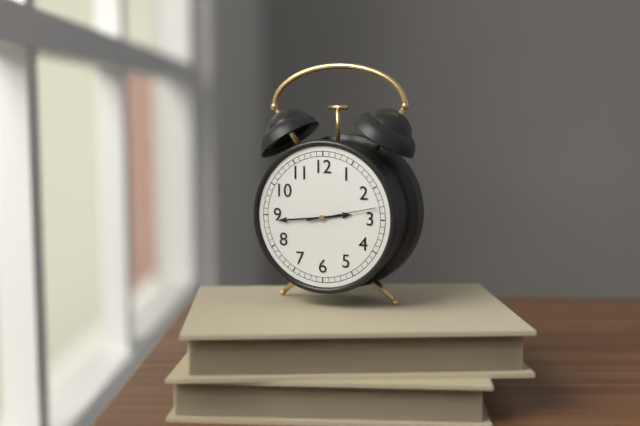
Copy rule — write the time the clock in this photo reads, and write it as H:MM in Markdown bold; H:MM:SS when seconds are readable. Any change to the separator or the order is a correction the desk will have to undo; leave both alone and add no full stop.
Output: **2:44:13**
